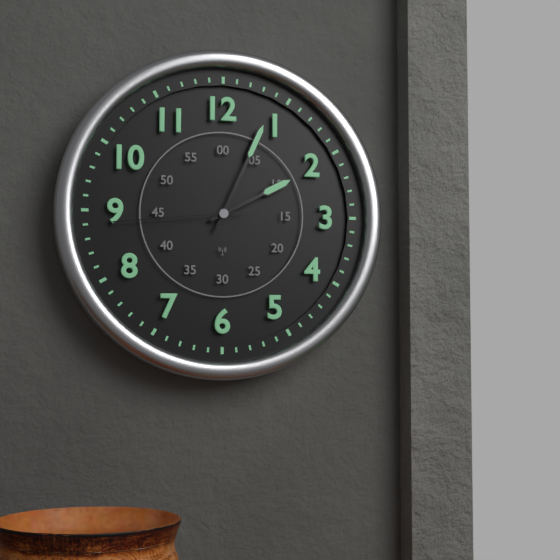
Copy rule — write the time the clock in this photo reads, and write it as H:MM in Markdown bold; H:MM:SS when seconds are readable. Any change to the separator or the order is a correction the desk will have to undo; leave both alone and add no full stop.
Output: **2:04:44**
